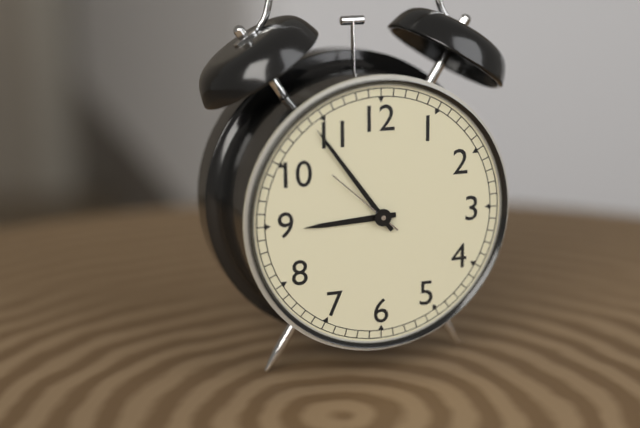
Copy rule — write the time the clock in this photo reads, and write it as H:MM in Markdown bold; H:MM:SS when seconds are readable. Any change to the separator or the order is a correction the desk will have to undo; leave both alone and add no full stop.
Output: **8:54:52**
